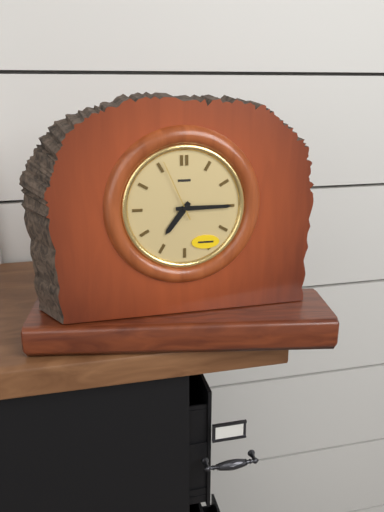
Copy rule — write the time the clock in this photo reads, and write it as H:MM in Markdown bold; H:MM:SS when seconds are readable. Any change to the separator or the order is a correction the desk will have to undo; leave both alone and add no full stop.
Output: **7:15:56**
